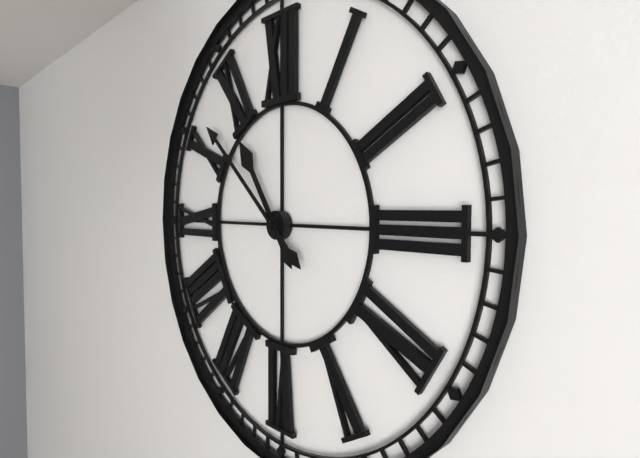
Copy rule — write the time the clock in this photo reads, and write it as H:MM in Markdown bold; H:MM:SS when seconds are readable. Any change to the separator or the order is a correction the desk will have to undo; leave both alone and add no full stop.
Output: **10:52**
